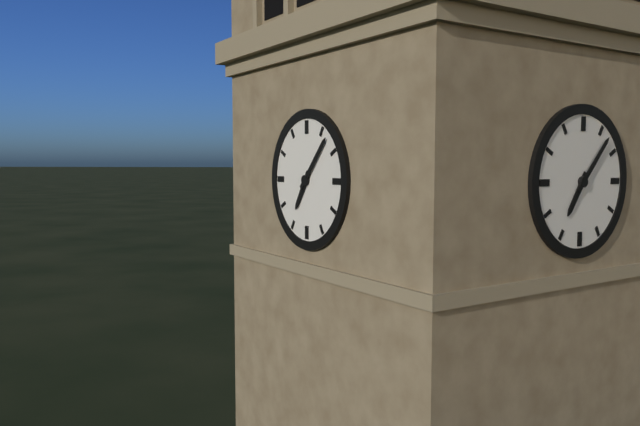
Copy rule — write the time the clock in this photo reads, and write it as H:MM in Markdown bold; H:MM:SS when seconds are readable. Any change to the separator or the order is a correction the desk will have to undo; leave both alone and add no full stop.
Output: **7:07**
